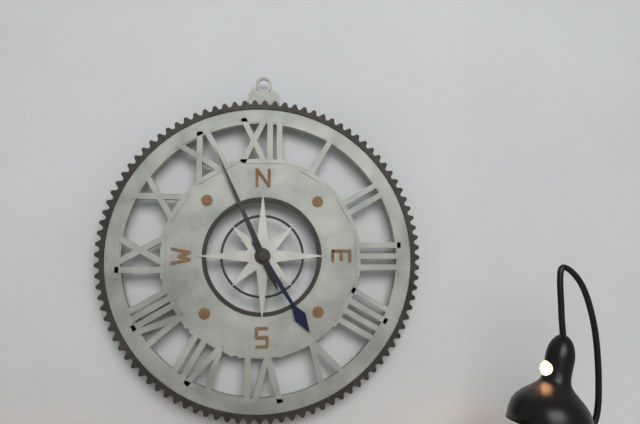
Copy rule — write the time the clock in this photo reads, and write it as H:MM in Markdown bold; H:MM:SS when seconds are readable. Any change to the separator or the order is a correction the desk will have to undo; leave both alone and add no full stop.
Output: **4:56**
